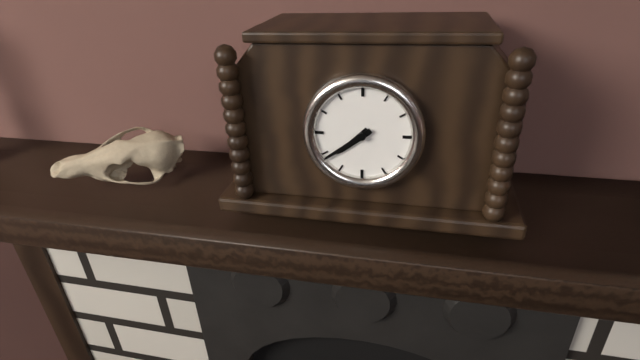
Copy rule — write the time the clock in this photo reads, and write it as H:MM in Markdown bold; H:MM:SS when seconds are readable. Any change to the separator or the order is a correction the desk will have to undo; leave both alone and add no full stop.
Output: **7:39**
